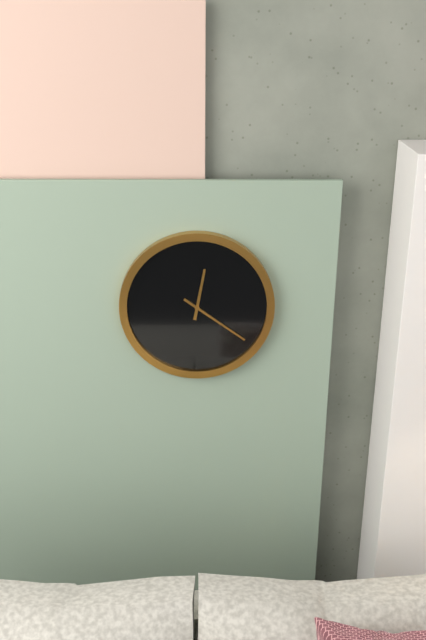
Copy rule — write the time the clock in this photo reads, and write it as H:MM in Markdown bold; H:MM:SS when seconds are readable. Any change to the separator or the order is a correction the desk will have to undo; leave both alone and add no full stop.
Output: **12:21**
